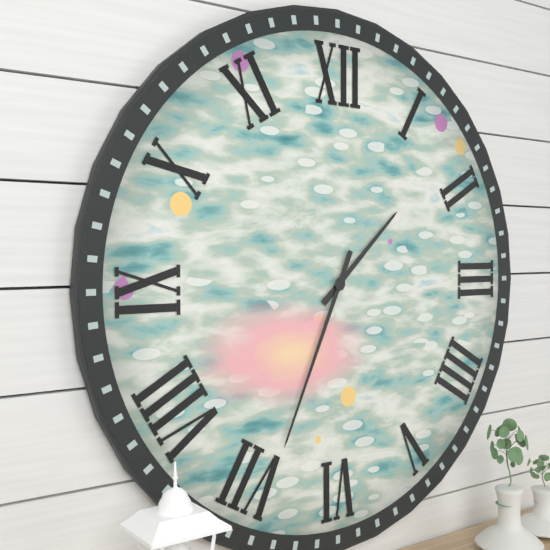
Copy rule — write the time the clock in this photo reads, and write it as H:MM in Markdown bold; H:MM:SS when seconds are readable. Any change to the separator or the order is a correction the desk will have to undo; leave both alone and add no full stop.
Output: **1:34**
